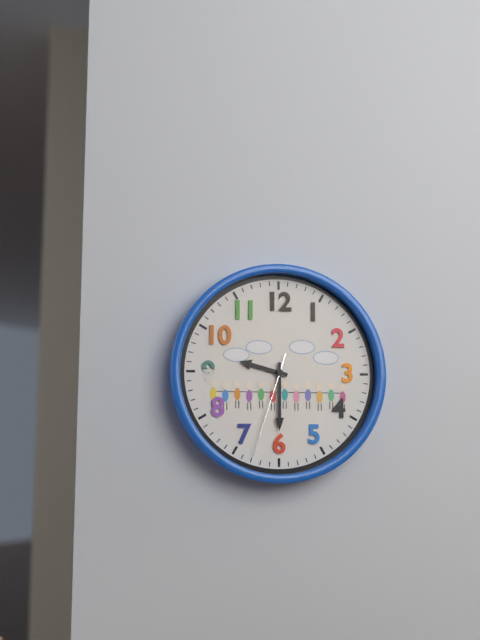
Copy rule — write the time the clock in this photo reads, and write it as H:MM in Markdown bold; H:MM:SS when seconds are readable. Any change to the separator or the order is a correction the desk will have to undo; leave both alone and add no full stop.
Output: **9:30:33**
